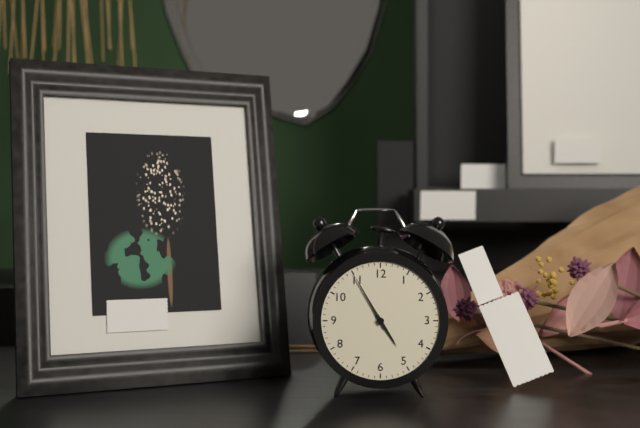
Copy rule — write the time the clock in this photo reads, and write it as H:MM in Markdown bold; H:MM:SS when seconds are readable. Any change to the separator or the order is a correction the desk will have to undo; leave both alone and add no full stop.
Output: **4:55**
